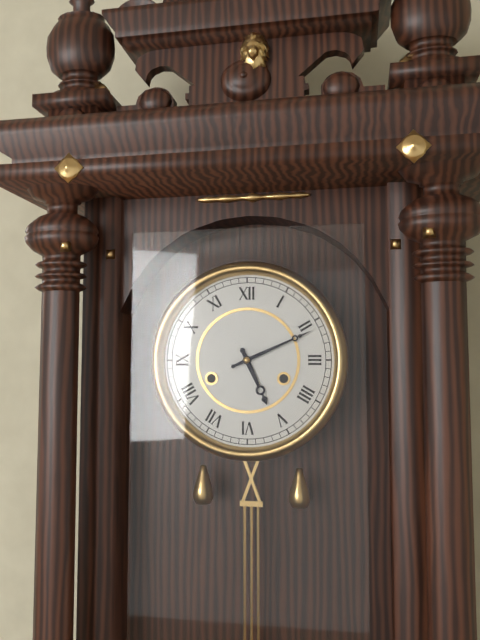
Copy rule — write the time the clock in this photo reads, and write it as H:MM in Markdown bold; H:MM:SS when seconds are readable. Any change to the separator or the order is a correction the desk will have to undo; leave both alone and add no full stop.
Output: **5:11**
